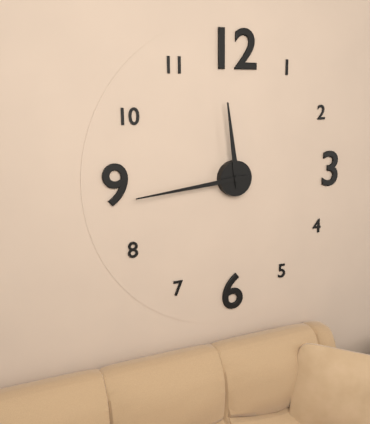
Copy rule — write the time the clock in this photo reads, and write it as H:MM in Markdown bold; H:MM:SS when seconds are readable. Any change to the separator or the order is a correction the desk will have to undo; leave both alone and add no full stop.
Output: **11:44**
